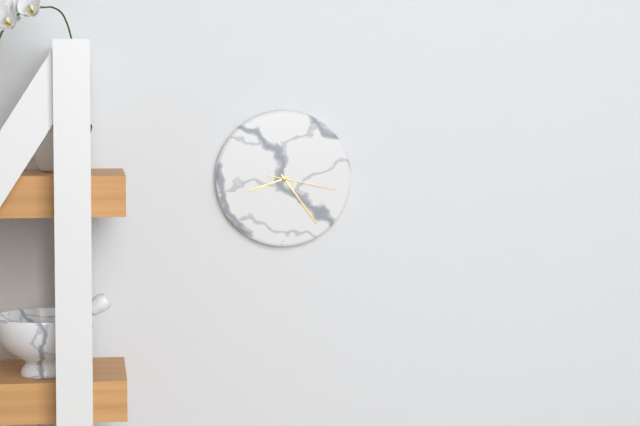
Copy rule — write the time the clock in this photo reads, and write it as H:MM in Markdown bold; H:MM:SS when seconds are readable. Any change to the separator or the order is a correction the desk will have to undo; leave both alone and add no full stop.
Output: **8:24:17**
